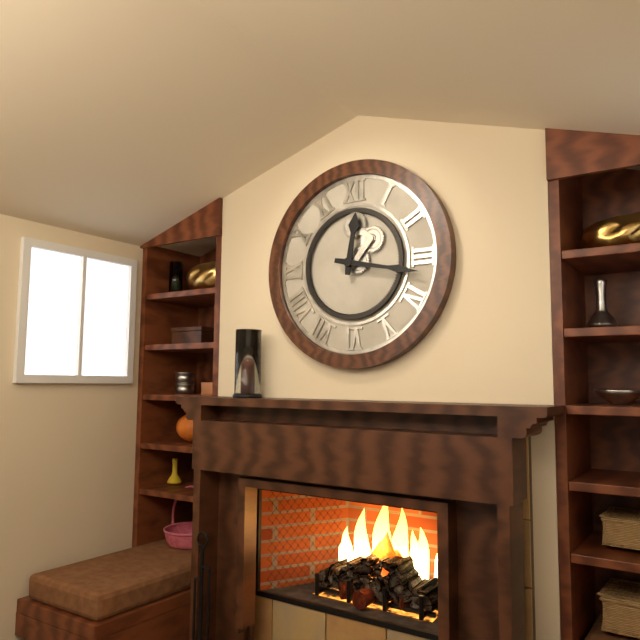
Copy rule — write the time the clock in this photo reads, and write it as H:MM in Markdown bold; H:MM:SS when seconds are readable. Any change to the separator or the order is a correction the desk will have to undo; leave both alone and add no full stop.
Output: **12:17**
